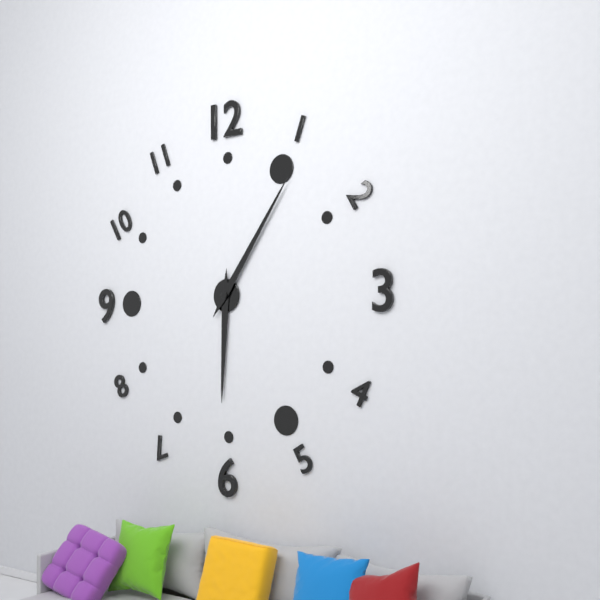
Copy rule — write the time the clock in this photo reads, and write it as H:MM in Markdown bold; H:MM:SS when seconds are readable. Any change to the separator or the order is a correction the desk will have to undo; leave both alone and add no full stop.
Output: **6:06**
